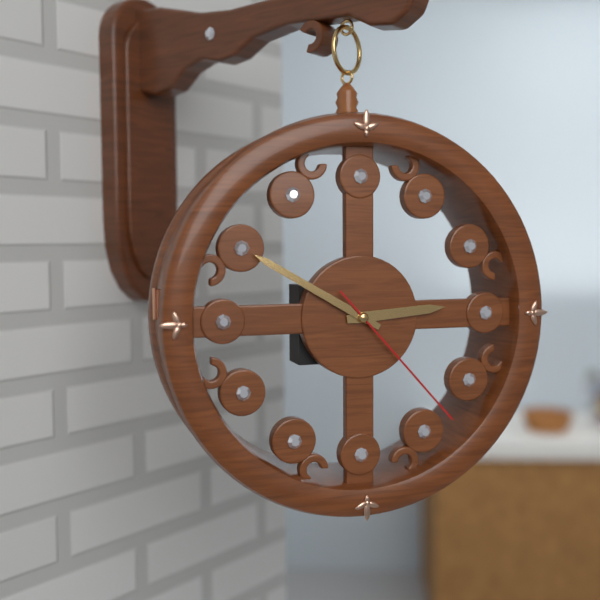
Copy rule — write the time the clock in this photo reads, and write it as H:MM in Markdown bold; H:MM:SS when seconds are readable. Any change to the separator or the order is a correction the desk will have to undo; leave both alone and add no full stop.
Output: **2:50:23**
